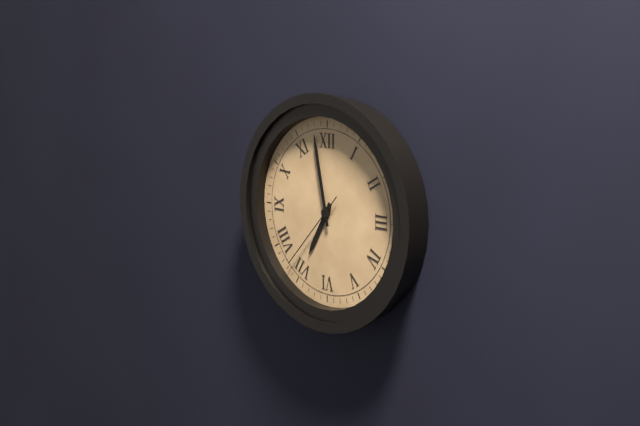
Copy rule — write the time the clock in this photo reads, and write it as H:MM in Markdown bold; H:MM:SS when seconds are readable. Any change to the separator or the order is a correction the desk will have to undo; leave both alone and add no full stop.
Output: **6:58:37**
